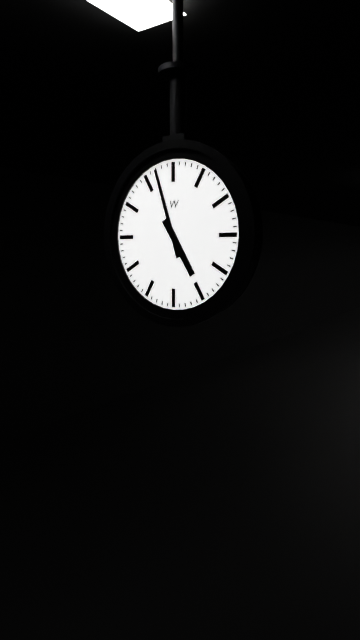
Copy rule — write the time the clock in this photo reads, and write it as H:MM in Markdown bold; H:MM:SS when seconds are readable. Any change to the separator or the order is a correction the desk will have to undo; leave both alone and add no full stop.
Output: **4:57**
